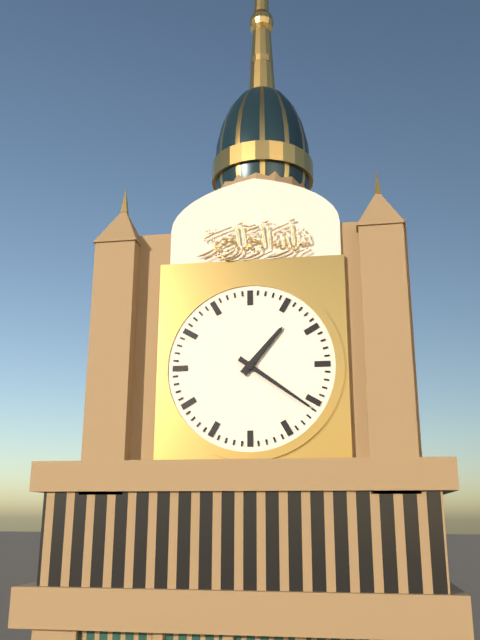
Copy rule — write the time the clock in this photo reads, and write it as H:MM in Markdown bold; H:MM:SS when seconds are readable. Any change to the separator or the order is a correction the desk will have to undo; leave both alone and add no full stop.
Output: **1:21**
